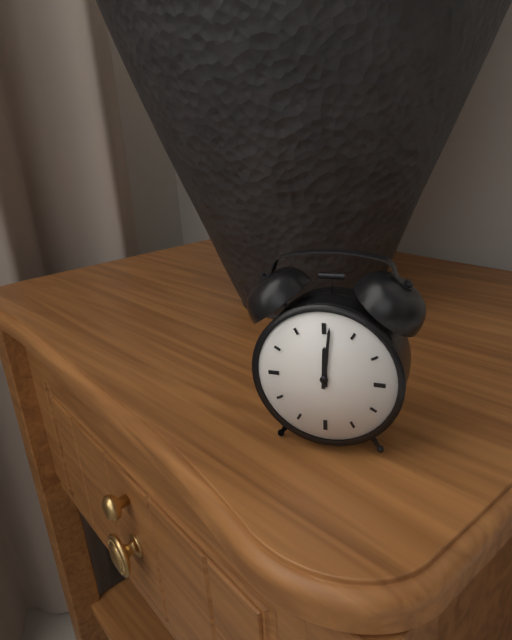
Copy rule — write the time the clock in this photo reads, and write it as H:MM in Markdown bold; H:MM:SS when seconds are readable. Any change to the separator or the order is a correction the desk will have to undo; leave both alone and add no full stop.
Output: **12:01**
